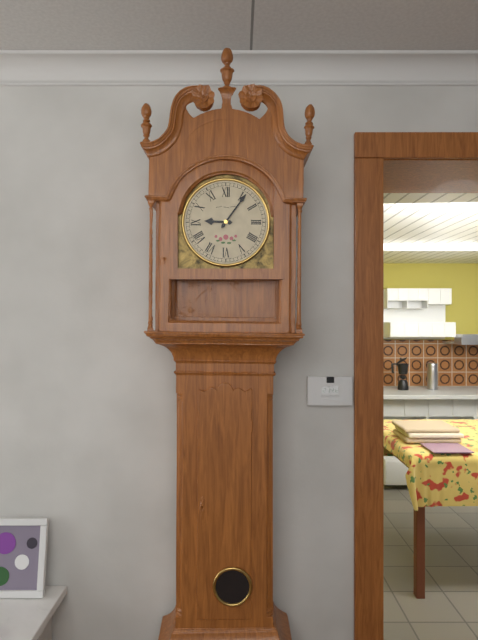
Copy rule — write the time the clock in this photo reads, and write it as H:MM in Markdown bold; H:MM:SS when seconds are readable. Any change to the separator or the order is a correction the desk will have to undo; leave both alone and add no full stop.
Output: **9:06**
